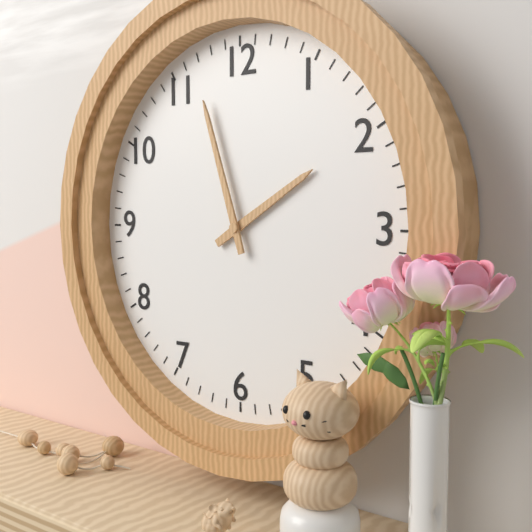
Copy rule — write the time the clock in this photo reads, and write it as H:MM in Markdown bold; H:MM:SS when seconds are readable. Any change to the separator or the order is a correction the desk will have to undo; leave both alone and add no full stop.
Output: **1:57**
